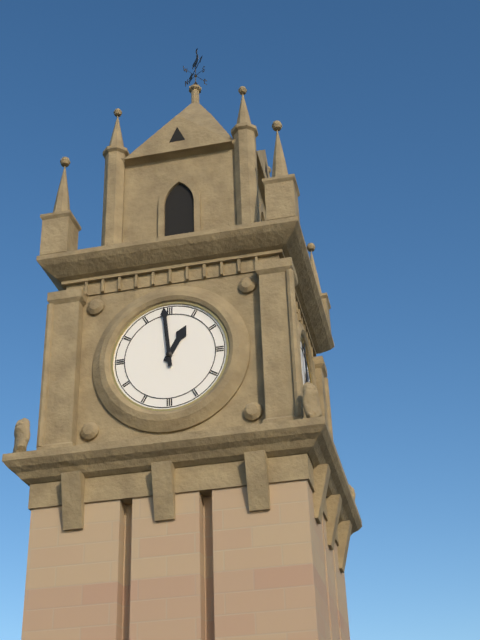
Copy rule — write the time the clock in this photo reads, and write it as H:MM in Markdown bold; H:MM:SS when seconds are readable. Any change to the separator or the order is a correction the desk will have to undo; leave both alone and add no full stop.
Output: **12:59**
